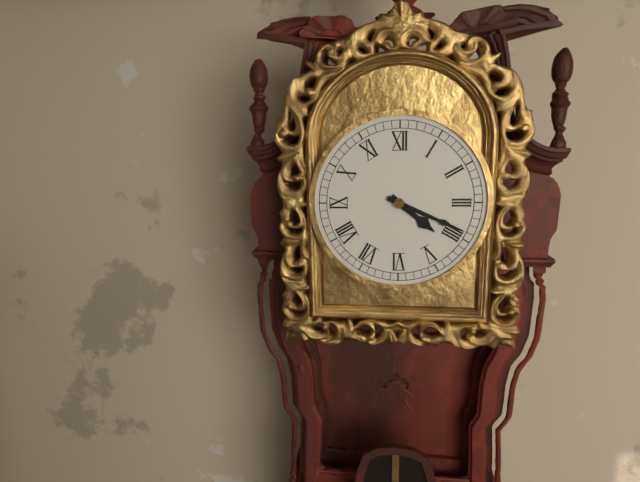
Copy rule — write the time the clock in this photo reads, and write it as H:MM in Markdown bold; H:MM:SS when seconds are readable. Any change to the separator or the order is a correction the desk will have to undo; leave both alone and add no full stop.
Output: **4:19**
